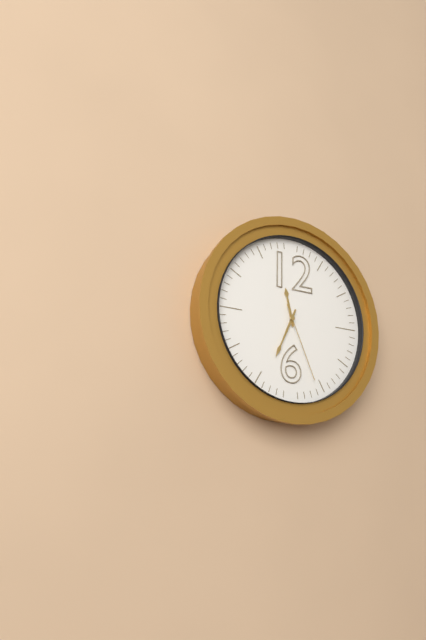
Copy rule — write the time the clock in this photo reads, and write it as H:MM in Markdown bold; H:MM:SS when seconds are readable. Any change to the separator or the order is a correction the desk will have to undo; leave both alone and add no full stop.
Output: **11:34:26**
